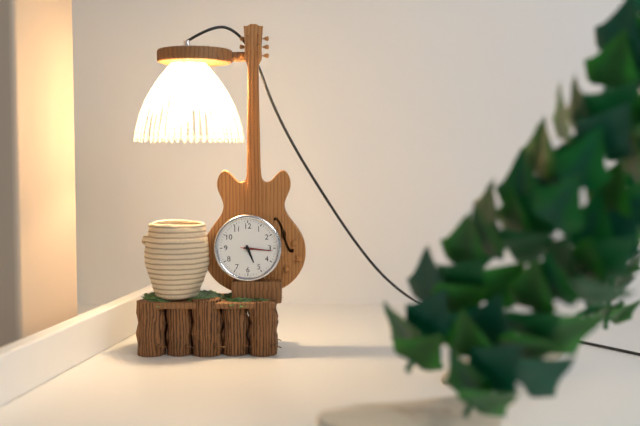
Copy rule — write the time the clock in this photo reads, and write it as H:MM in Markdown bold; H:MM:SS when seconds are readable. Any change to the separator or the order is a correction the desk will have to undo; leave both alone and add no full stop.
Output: **5:16**
